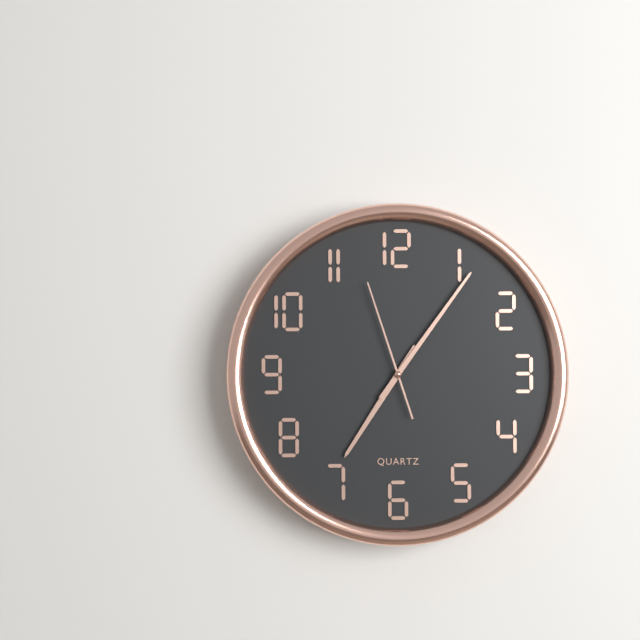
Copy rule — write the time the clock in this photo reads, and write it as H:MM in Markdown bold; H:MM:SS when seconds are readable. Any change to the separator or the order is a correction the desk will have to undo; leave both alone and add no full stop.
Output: **7:06:57**
